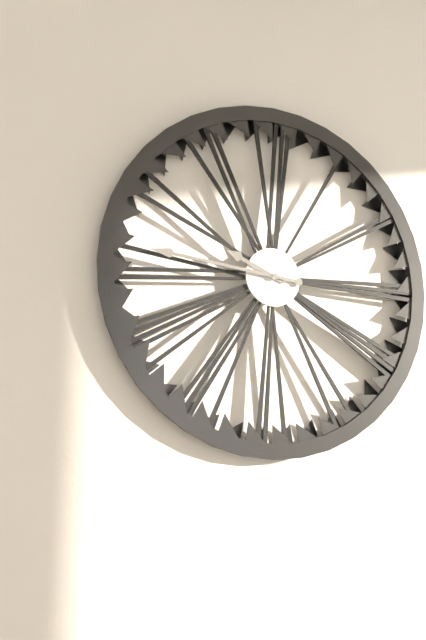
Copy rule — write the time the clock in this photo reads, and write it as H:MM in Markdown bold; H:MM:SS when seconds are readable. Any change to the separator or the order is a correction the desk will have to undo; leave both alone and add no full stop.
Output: **9:46**
